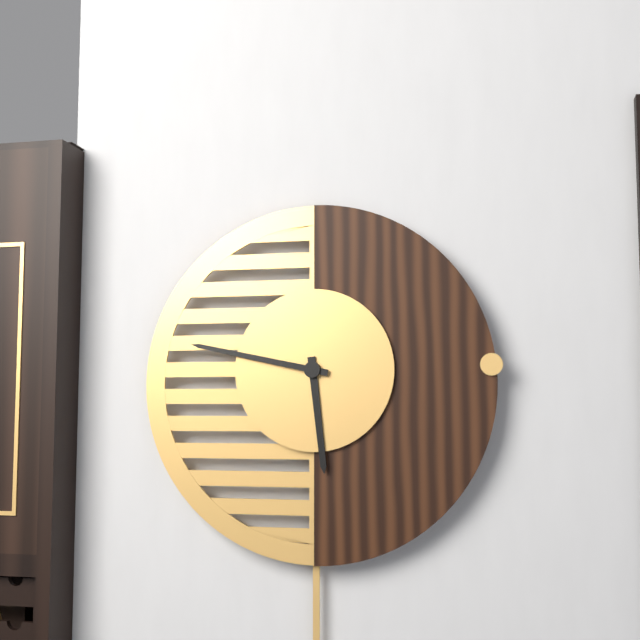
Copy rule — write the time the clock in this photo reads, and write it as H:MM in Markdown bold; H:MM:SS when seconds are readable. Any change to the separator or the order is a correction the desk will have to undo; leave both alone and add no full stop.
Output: **5:47**
